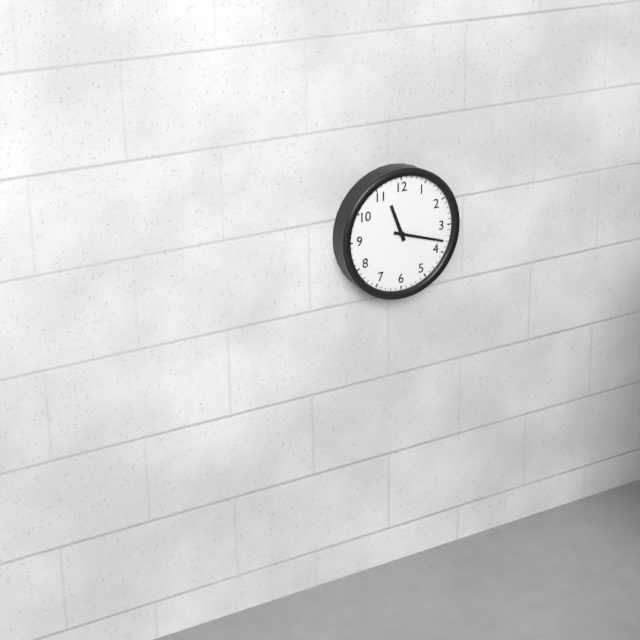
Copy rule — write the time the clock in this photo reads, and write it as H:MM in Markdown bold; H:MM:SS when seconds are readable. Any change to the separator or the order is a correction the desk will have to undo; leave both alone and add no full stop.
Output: **11:18**
